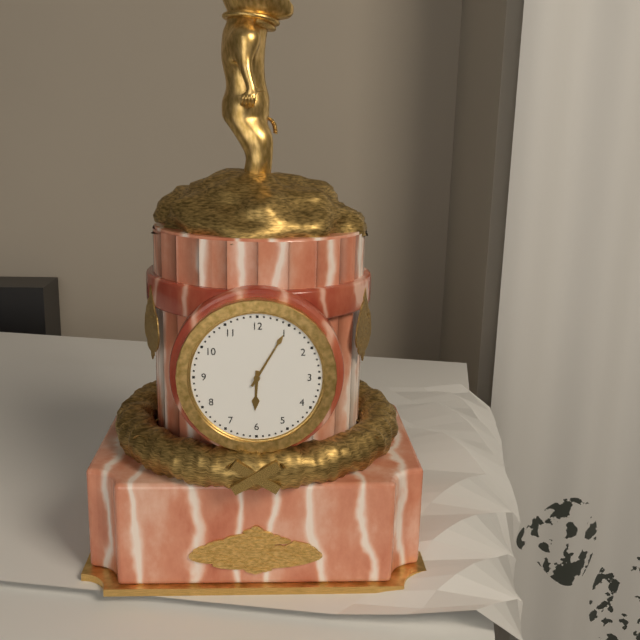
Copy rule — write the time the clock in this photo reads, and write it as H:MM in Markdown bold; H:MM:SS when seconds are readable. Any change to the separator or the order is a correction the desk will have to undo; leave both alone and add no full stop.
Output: **6:05**
